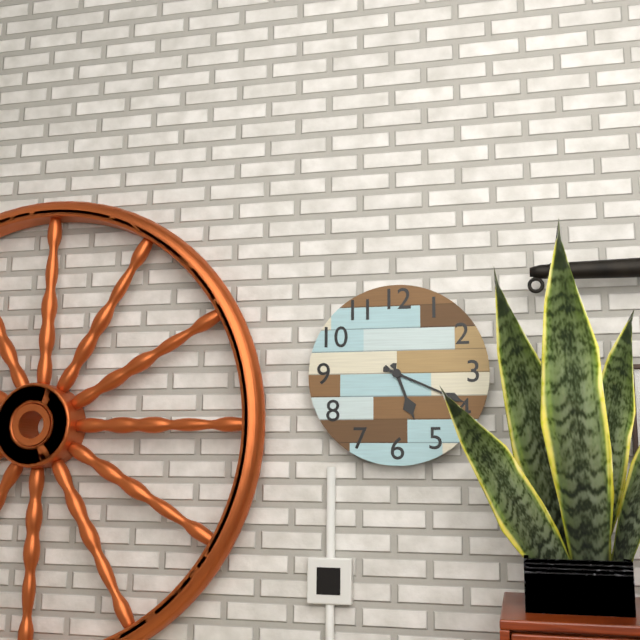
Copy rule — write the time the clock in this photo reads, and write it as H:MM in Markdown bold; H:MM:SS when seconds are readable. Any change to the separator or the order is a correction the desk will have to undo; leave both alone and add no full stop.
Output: **5:19**
